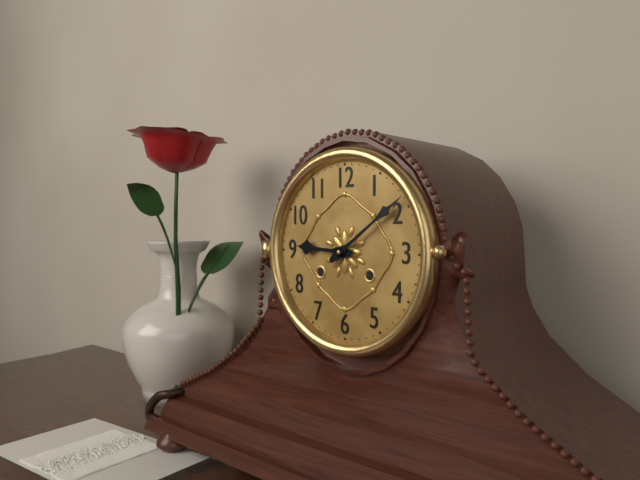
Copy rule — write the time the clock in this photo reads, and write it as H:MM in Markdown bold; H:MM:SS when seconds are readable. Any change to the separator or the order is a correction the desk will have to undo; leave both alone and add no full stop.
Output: **9:09**
